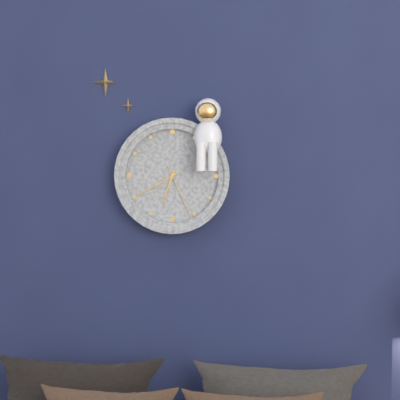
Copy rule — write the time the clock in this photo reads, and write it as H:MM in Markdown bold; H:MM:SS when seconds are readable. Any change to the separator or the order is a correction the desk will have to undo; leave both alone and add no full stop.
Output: **6:40:26**
